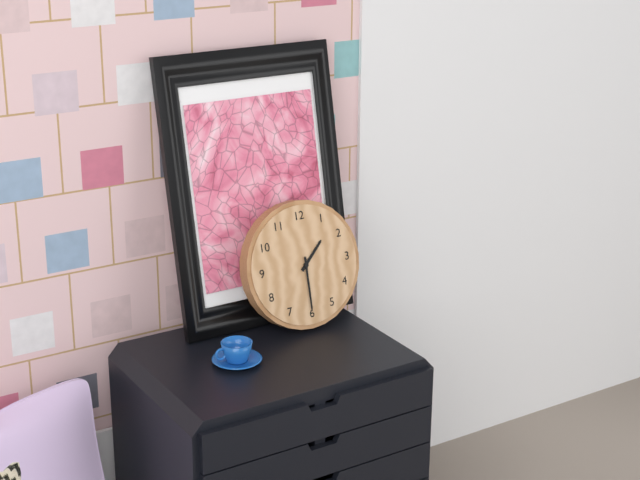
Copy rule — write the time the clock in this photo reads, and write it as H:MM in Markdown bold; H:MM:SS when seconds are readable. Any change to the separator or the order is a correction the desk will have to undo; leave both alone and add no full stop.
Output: **1:30**
